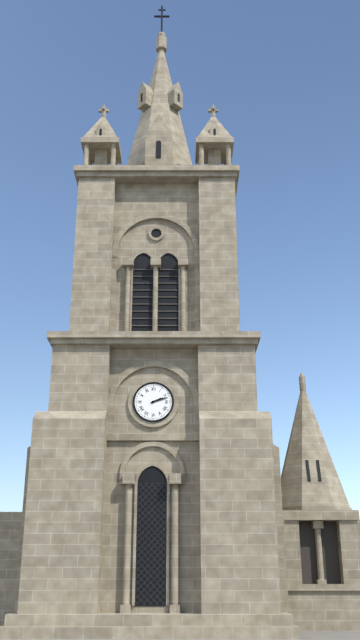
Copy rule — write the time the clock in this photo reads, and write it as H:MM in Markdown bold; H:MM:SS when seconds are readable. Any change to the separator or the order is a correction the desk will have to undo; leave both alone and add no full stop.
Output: **2:12**
